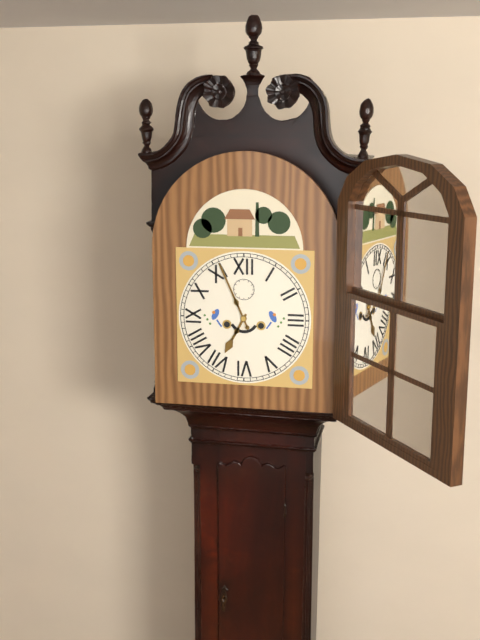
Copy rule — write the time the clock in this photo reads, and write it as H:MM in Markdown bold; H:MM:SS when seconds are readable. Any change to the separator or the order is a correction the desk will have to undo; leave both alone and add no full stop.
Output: **6:56**
